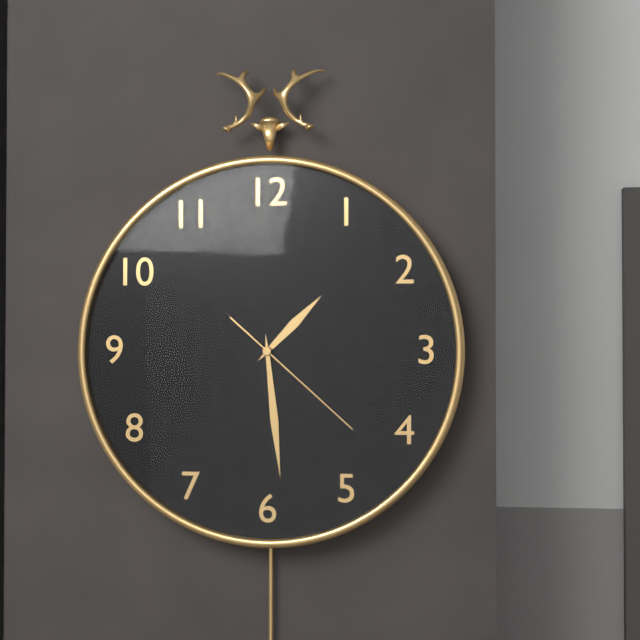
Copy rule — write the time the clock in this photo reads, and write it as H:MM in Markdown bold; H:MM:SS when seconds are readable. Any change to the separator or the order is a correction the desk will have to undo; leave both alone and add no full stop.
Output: **1:29:22**
